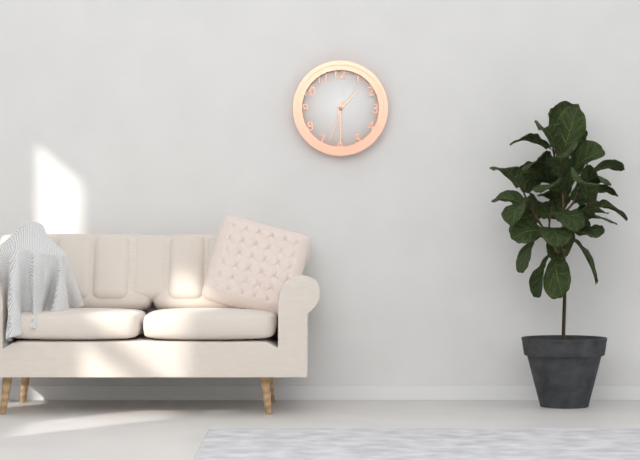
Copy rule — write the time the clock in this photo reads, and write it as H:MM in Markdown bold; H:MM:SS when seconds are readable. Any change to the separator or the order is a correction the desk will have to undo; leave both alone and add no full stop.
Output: **1:30**
